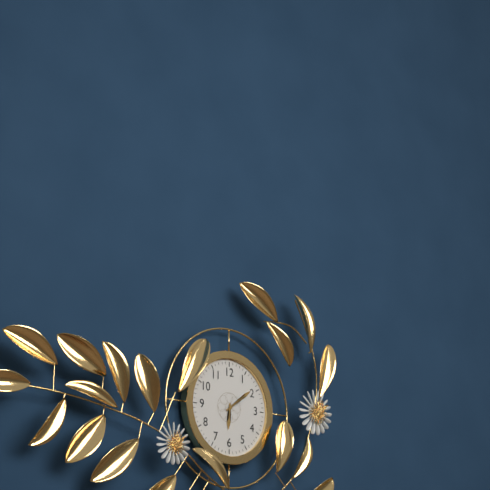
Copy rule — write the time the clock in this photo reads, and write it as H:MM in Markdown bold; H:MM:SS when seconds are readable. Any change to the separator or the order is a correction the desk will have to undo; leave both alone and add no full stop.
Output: **6:09**
